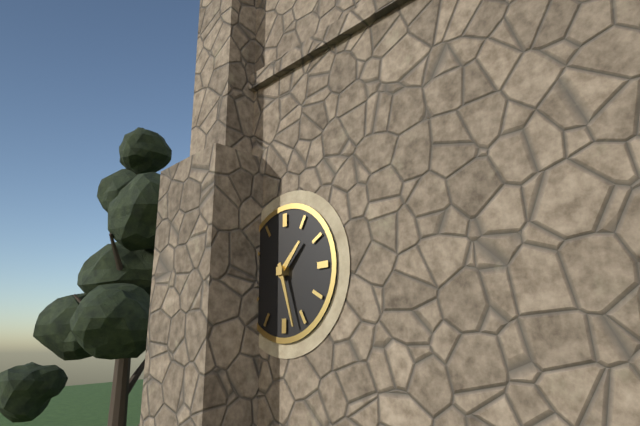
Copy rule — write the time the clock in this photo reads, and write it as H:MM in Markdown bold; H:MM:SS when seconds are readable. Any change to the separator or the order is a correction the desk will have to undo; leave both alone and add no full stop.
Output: **1:27**
